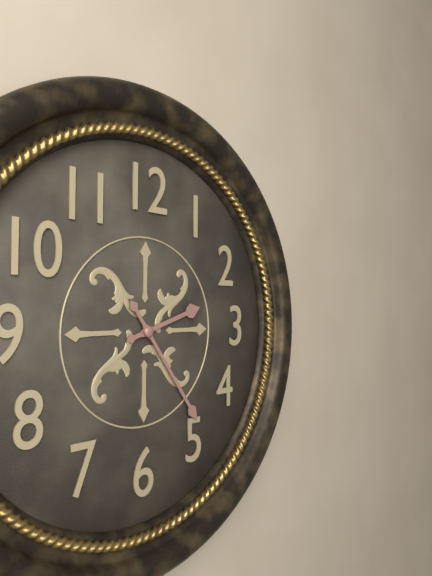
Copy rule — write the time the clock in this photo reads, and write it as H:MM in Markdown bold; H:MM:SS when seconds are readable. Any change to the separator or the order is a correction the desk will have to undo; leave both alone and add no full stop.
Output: **2:24**
